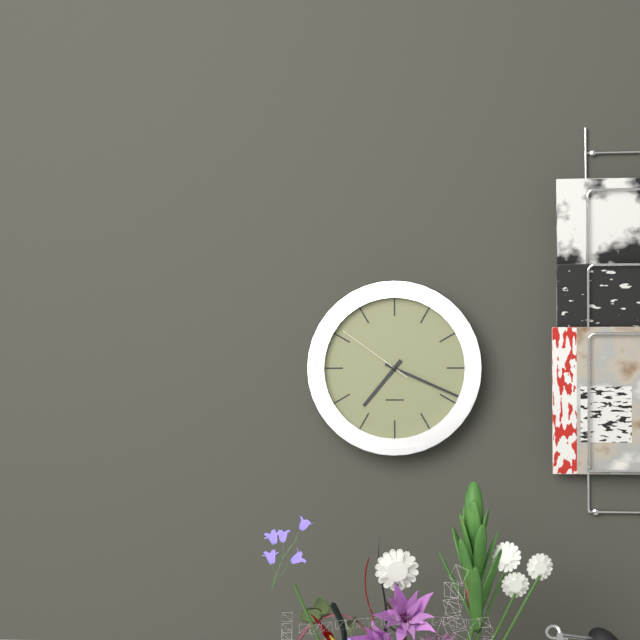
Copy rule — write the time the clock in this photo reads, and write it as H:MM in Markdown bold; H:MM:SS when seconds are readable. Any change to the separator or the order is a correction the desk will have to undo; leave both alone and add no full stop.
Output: **7:19:51**
